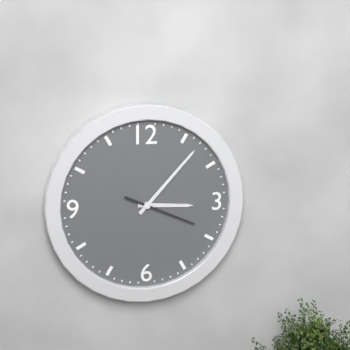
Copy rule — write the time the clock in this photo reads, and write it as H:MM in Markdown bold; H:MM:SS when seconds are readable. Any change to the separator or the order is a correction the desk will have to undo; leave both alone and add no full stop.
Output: **3:07:19**
